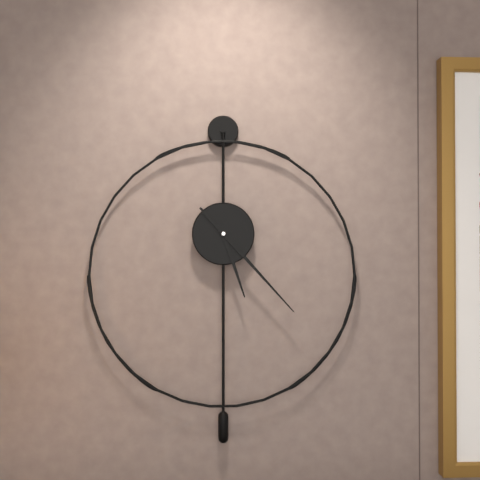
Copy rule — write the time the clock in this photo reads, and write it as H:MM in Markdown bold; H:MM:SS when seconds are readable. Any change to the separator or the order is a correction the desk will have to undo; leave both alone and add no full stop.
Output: **5:23**
